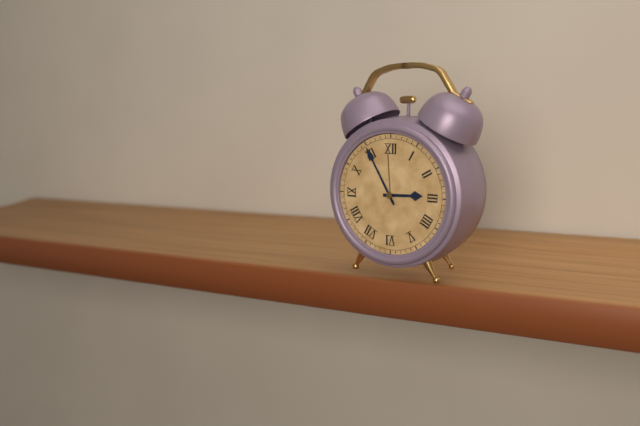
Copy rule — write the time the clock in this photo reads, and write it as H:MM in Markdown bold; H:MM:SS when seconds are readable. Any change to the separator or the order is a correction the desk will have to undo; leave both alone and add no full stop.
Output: **2:55**
